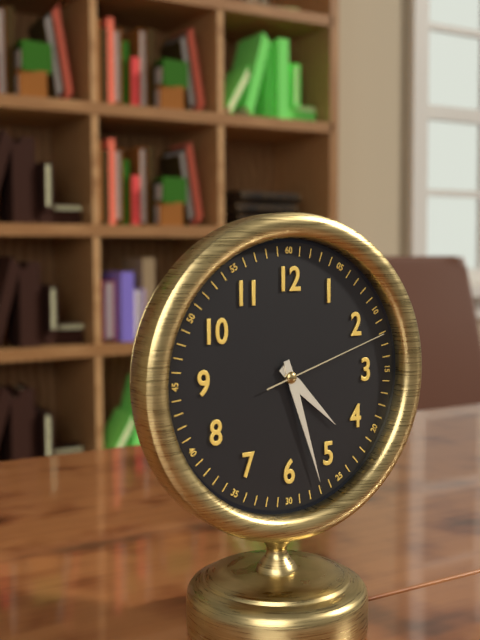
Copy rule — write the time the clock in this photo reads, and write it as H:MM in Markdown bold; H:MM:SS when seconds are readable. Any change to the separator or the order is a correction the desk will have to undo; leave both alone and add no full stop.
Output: **4:27:12**
